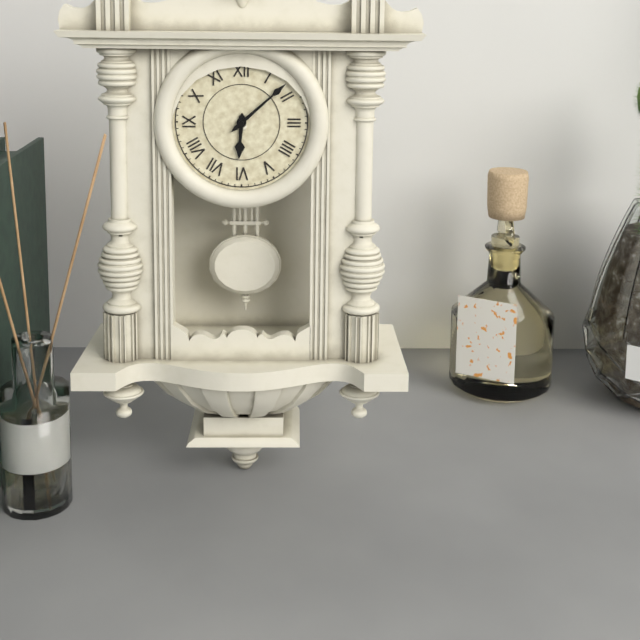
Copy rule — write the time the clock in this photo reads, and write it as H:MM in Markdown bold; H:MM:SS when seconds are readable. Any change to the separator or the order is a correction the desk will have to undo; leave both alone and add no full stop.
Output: **6:08**
